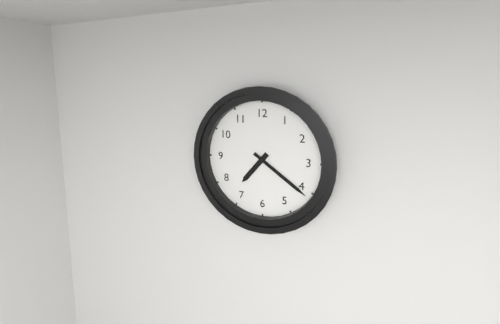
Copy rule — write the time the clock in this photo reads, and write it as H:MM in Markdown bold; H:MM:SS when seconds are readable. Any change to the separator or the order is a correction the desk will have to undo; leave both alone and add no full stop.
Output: **7:21**
